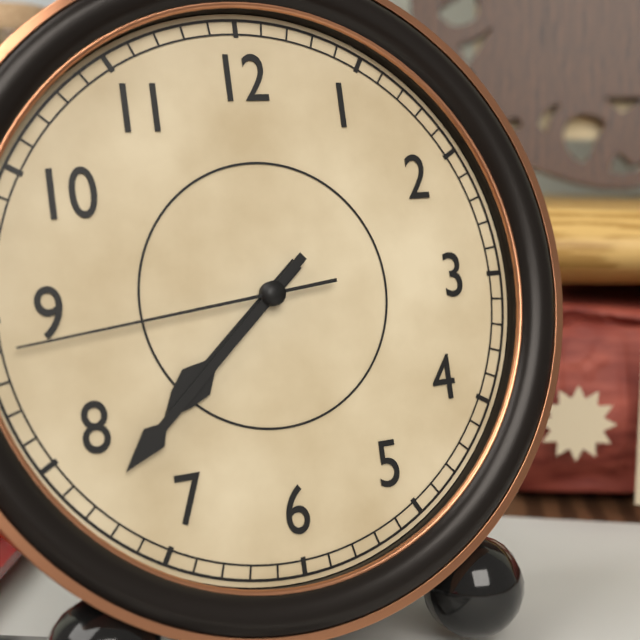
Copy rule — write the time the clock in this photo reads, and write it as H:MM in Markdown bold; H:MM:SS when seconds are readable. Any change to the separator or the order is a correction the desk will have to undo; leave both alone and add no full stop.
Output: **7:38:44**
